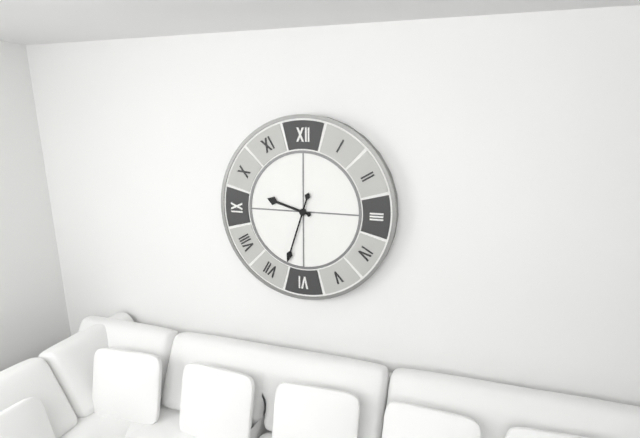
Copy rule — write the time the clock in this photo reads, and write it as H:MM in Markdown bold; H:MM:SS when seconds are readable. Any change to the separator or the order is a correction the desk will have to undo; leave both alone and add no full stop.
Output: **9:33**
